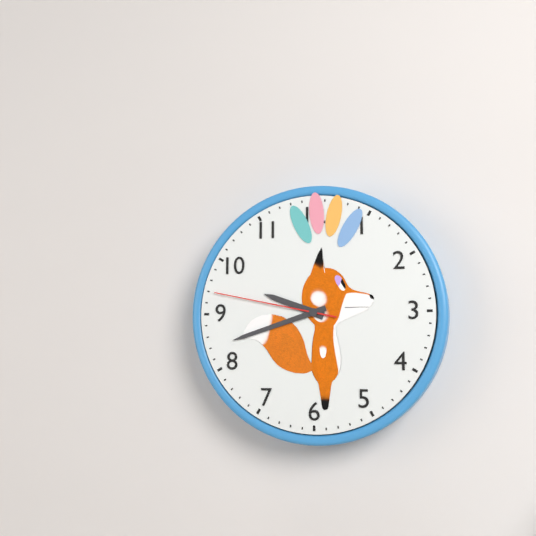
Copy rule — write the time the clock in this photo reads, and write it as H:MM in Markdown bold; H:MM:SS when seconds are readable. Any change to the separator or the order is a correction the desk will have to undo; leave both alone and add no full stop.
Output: **9:42:47**
